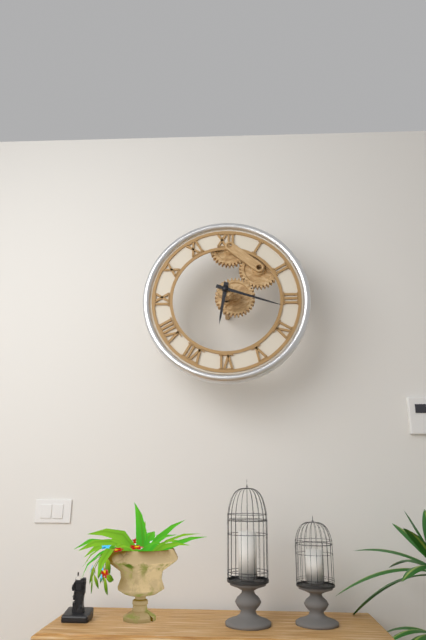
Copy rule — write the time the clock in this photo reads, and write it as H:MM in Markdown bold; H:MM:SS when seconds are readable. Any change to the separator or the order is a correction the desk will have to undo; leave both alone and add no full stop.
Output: **6:18**
